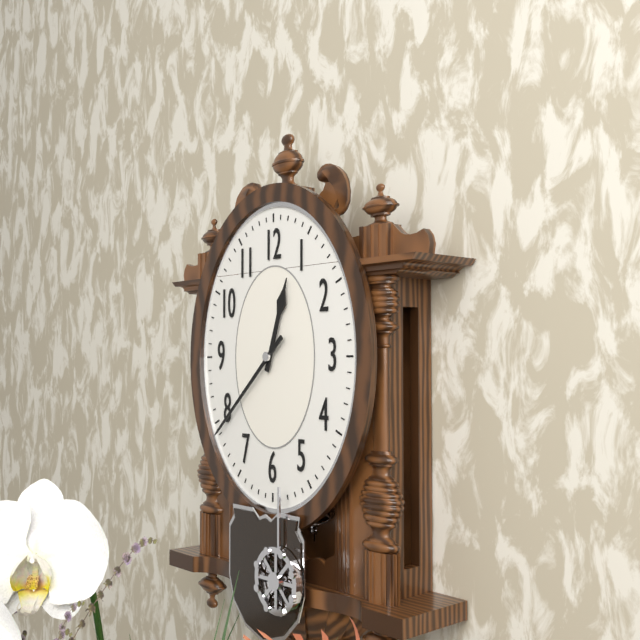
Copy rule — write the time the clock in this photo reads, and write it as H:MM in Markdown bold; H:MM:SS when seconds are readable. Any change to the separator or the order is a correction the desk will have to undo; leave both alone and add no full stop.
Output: **12:38**
